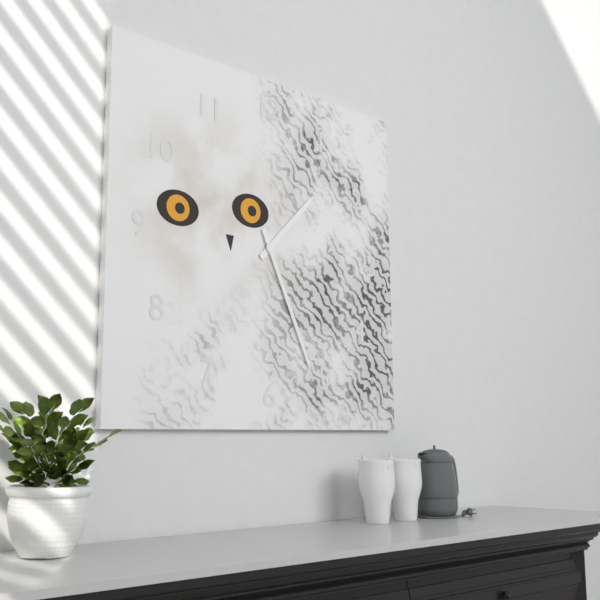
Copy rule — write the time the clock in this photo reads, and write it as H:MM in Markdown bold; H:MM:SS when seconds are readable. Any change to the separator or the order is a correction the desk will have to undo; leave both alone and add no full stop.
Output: **1:26**
